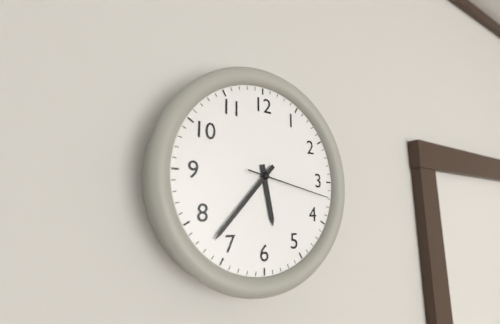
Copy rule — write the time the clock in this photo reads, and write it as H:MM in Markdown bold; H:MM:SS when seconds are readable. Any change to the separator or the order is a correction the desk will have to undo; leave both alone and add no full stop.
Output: **5:37:17**
